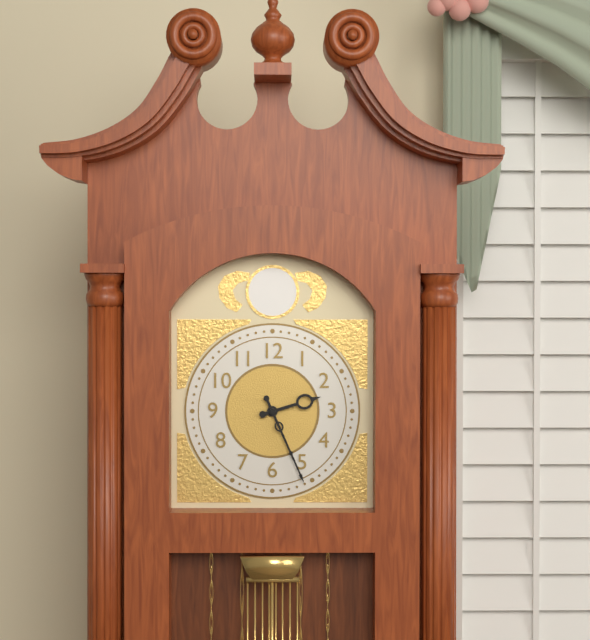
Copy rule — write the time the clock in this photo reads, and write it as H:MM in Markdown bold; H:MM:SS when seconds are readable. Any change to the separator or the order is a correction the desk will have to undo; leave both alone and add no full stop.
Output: **2:26**
